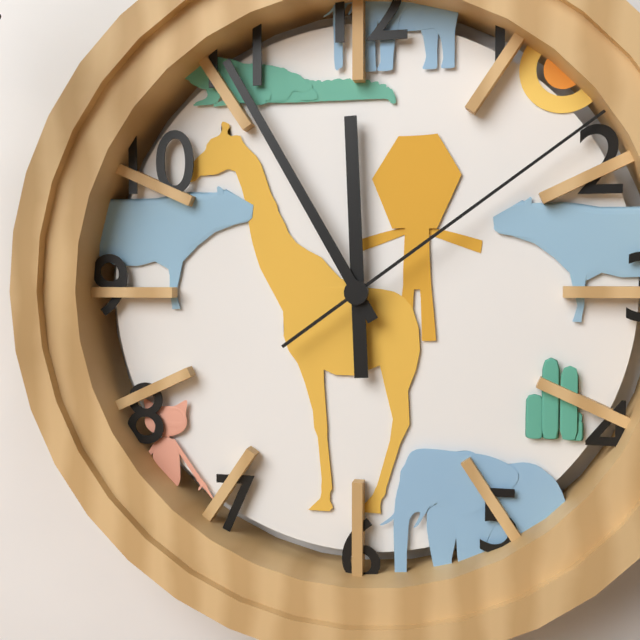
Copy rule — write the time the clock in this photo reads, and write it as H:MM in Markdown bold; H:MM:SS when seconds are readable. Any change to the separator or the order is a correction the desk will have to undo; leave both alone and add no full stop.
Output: **11:55:09**
